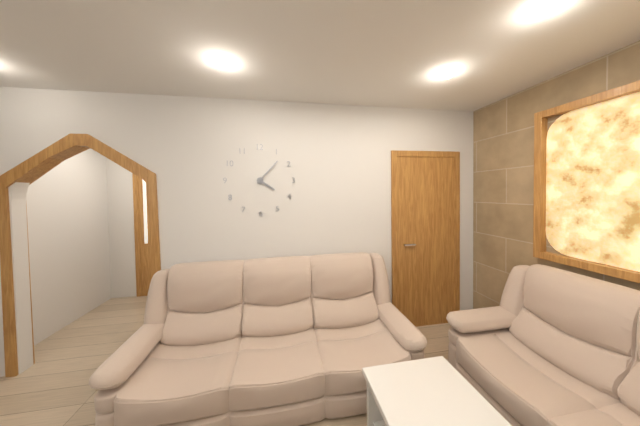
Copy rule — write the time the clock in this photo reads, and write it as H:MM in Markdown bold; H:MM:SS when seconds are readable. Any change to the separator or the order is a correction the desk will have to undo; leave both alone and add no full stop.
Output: **4:07**
